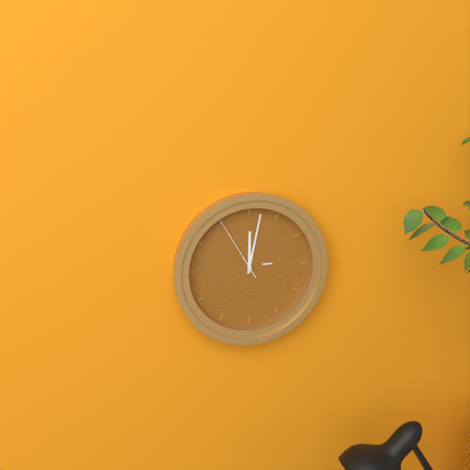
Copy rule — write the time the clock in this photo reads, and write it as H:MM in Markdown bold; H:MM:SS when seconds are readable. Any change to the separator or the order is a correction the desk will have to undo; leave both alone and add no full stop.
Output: **12:02:55**
